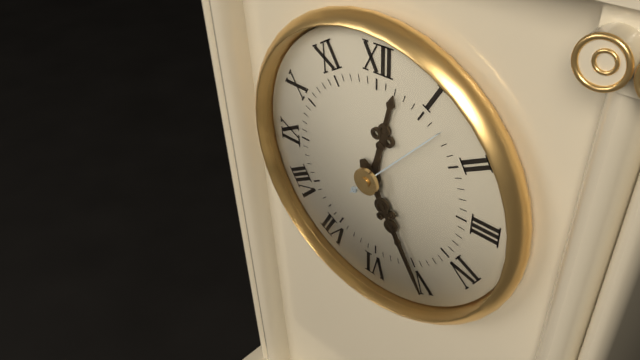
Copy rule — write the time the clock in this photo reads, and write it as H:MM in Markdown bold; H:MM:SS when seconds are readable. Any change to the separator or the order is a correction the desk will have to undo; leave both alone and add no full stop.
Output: **12:25:07**
